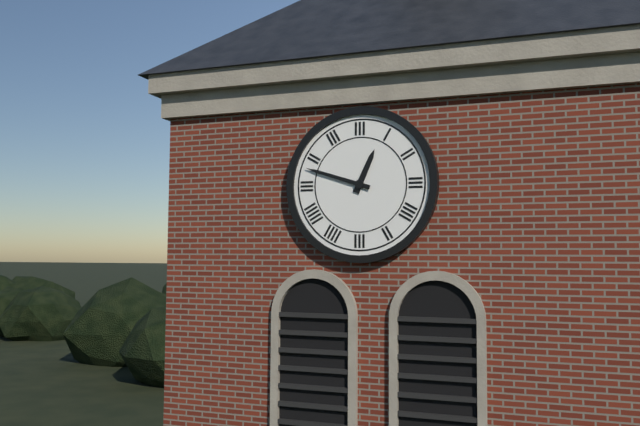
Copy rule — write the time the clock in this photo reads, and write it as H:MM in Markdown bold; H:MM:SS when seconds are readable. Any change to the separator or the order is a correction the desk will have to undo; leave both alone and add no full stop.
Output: **12:48**
